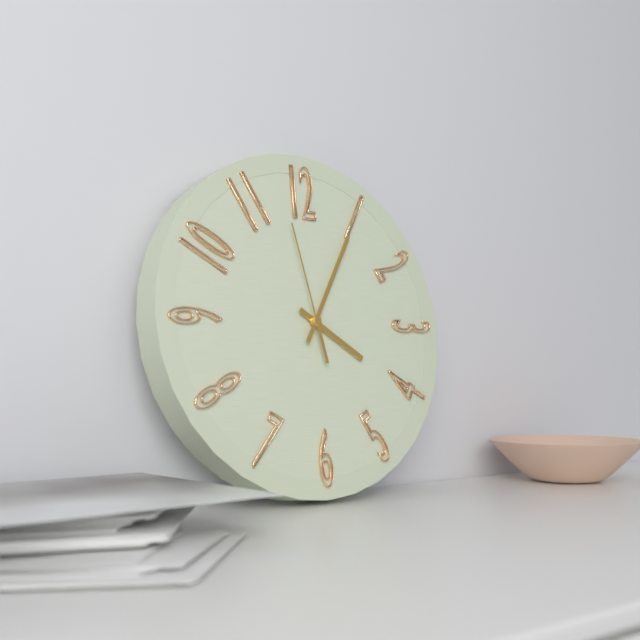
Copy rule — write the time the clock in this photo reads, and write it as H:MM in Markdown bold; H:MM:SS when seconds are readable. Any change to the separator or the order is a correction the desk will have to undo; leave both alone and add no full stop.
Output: **4:05:58**
